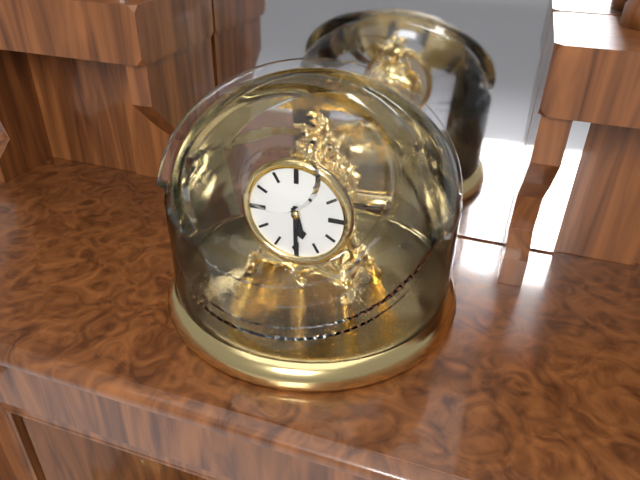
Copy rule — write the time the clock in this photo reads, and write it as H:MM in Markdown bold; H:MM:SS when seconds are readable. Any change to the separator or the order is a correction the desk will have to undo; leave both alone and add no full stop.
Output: **5:30**
